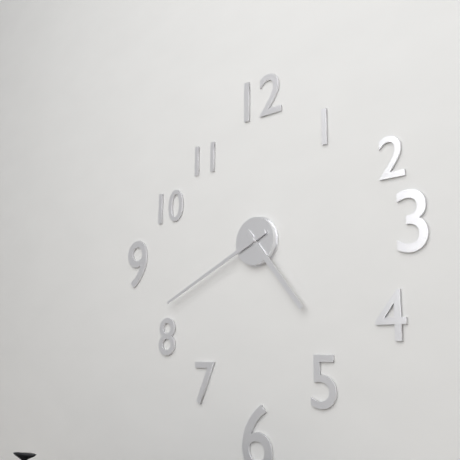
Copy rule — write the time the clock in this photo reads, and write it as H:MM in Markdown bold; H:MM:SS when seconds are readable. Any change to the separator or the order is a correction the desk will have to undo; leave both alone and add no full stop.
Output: **4:41**
